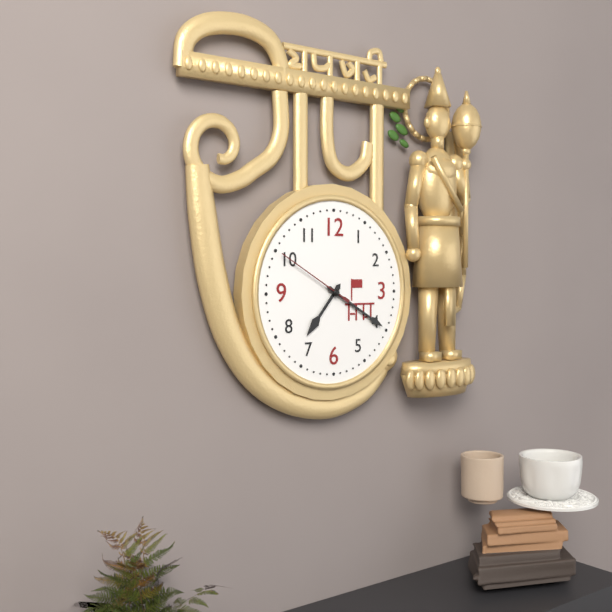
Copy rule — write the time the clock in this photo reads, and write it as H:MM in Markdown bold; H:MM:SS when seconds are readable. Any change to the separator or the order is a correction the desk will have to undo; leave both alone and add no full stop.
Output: **7:20:50**
